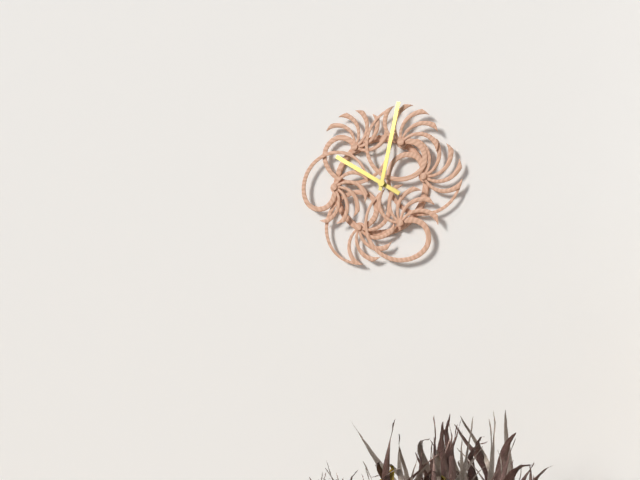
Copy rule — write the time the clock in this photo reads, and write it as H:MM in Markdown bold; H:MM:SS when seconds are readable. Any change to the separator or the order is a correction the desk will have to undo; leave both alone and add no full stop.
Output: **10:02**
